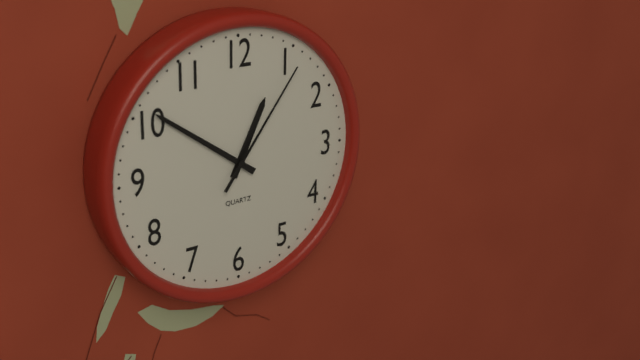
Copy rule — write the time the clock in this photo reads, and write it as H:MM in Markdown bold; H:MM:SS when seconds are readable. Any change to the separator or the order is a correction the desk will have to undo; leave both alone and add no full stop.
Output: **12:51:06**
